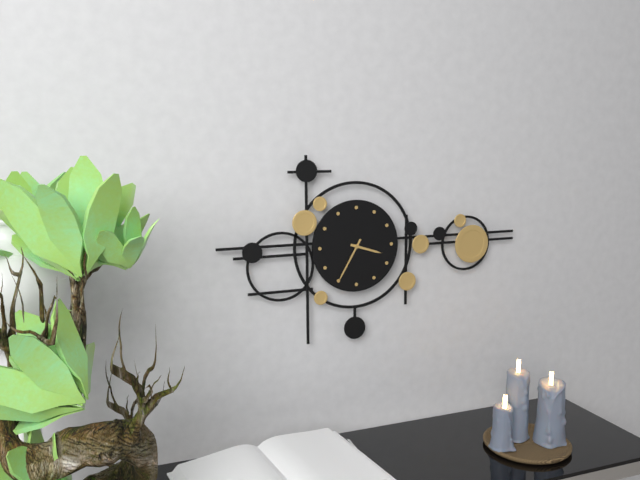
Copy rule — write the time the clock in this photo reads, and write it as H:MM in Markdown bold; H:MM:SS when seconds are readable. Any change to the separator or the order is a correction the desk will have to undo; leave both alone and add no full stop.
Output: **3:35**
